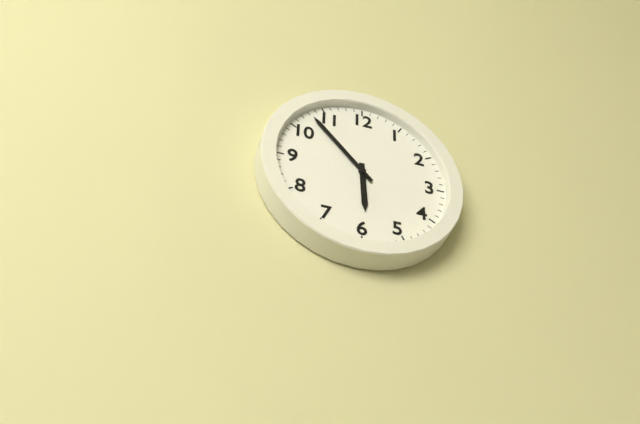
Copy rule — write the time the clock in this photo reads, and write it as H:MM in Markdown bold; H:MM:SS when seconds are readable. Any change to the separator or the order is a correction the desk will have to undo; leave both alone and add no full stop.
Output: **5:53**
